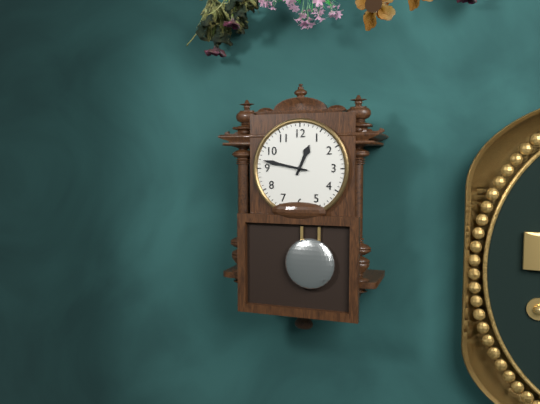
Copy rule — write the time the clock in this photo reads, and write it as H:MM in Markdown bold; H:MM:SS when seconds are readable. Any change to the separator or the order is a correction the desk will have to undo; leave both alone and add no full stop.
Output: **12:47**
